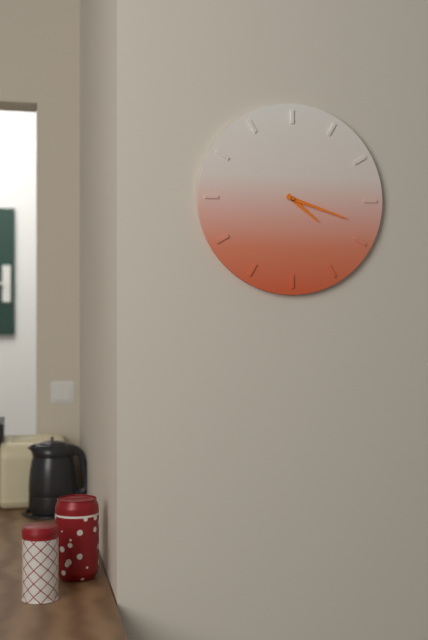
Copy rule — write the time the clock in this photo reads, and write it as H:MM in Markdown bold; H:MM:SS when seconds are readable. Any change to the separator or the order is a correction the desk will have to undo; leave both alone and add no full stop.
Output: **4:18**
